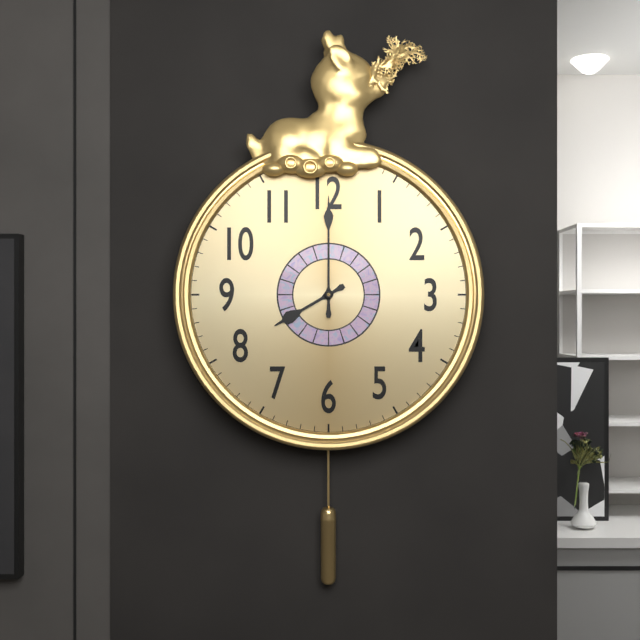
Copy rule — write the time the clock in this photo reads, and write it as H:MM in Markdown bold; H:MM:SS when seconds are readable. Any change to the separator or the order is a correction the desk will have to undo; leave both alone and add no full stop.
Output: **8:00:00**
